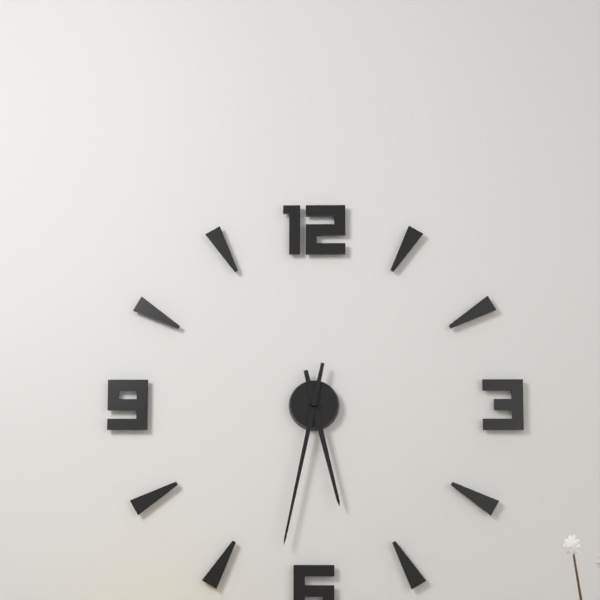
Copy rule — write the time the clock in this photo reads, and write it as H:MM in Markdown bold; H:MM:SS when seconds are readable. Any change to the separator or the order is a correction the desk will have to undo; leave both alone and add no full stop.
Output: **5:32**
